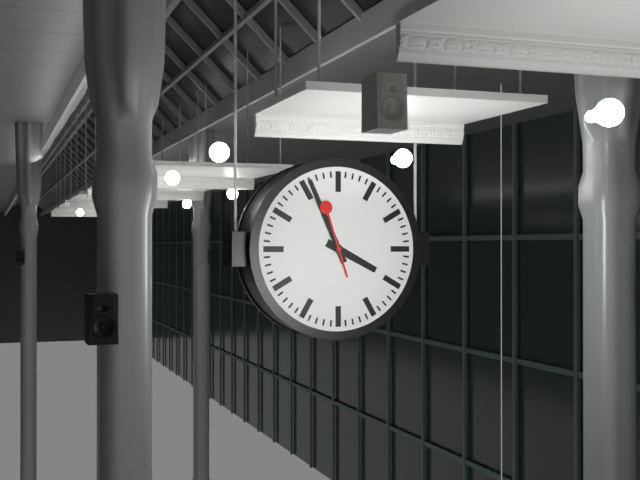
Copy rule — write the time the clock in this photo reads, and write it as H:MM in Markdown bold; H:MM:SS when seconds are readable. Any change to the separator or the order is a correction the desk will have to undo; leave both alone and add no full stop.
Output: **3:56:57**
